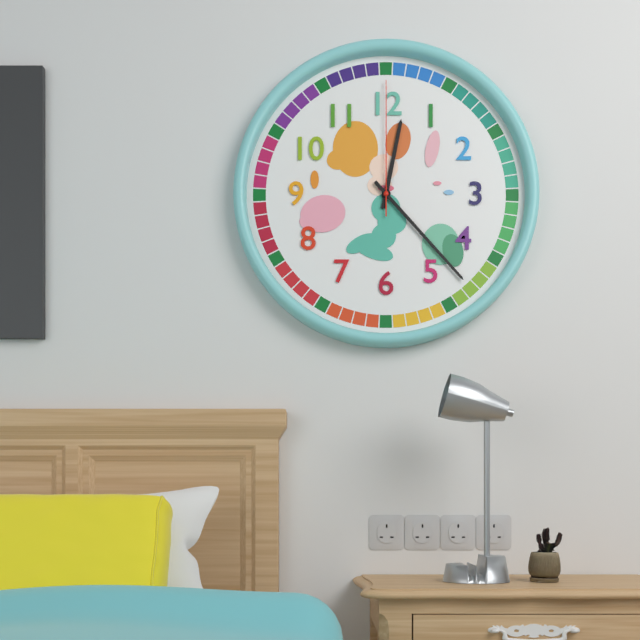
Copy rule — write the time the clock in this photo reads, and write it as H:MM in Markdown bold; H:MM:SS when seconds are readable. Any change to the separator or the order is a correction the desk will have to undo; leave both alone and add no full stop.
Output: **12:23:00**
